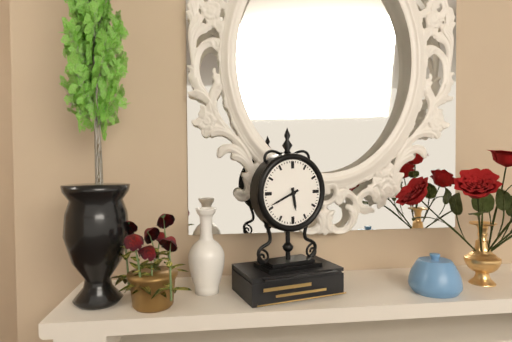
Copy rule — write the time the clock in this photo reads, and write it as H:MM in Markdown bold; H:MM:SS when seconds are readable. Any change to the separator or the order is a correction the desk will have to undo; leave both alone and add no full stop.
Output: **5:41**
